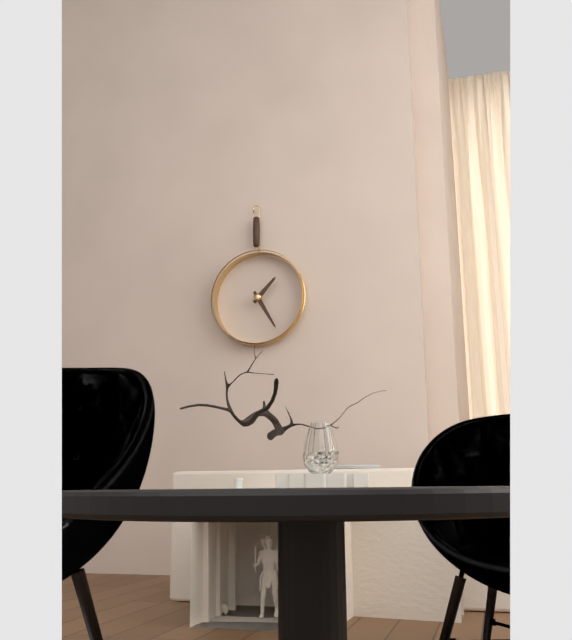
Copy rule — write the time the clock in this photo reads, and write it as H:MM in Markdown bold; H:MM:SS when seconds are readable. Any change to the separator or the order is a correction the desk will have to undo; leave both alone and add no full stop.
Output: **1:25**
